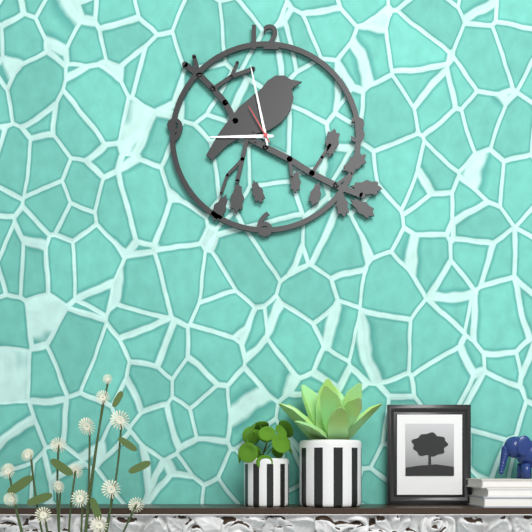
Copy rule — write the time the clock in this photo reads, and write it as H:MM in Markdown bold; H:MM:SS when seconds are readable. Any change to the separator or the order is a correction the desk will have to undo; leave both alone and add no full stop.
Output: **8:58**
